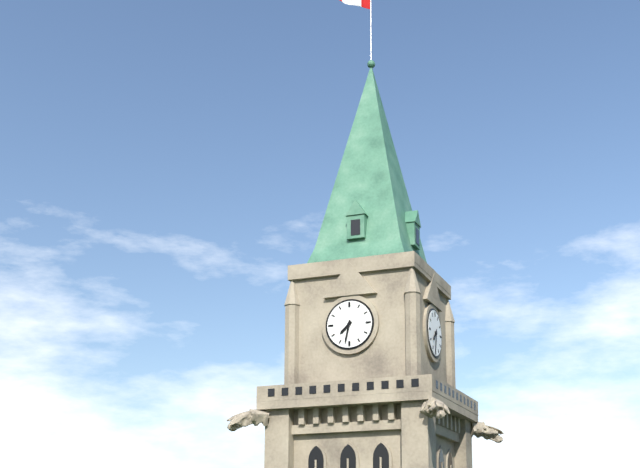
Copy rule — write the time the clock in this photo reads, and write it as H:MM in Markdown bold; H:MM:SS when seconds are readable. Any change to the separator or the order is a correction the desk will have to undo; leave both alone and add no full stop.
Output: **7:32**
